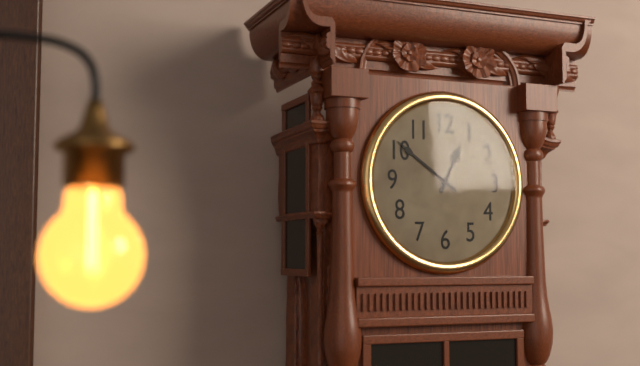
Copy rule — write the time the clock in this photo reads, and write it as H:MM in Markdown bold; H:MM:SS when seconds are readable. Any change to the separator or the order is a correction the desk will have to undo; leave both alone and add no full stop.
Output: **12:51**
